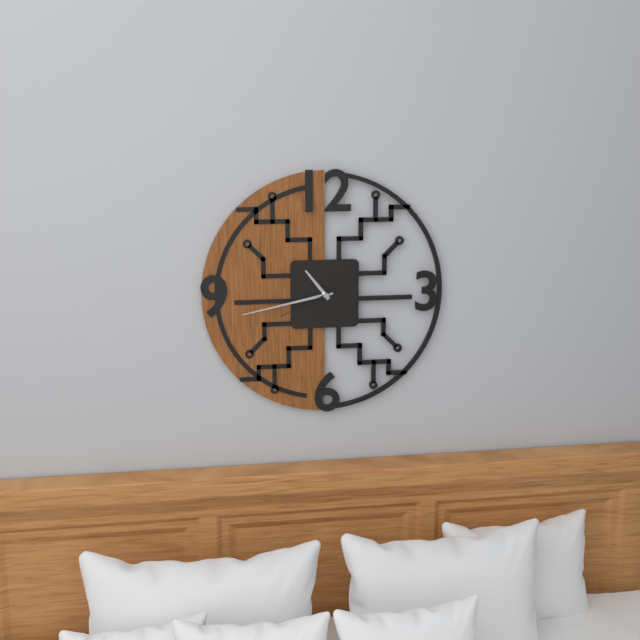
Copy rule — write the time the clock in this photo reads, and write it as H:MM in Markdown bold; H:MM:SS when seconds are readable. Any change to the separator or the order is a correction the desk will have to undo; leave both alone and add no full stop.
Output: **10:43:41**
